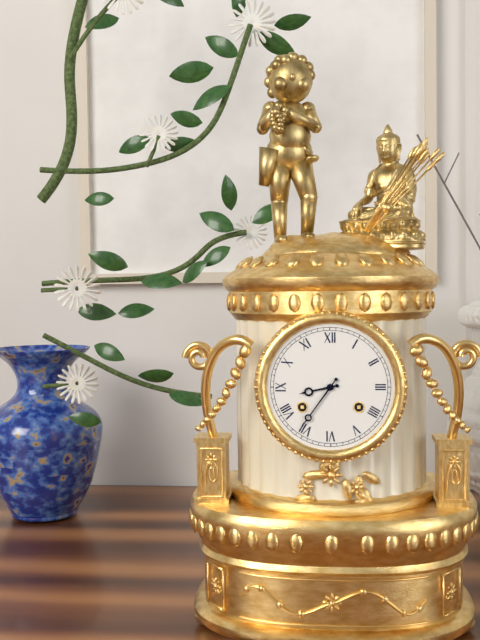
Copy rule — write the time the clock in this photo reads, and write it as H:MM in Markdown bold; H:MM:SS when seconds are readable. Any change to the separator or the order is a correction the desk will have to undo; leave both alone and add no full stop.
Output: **8:36**
